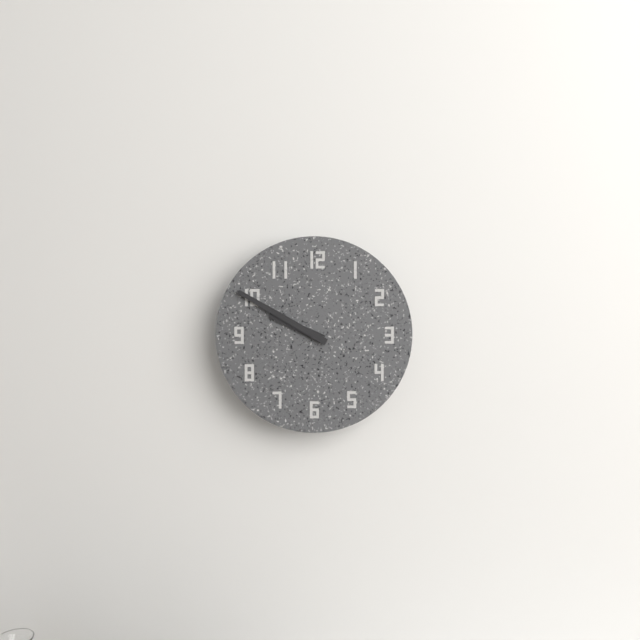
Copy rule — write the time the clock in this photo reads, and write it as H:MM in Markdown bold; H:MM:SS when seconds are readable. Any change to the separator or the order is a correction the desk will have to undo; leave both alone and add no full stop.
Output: **9:50**
